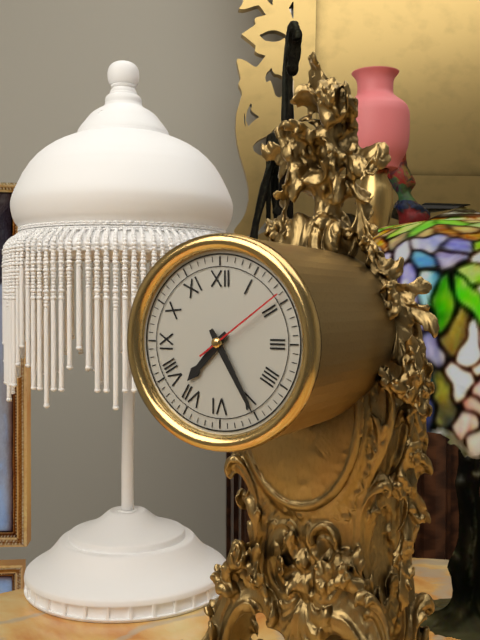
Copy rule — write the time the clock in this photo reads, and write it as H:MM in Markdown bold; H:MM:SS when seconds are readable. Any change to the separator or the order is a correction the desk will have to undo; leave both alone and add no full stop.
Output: **7:25:09**
